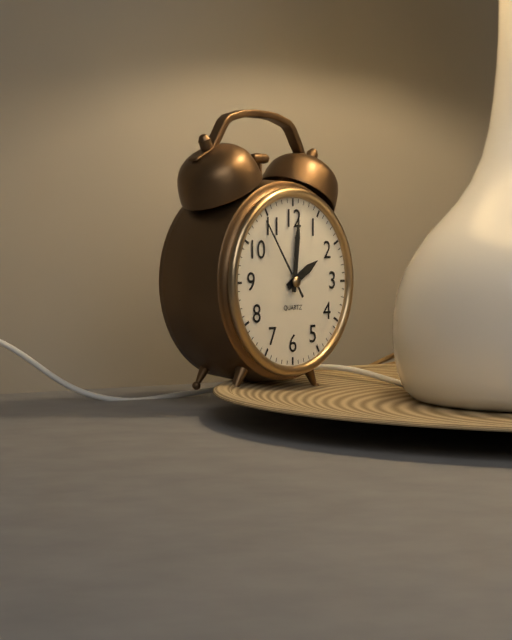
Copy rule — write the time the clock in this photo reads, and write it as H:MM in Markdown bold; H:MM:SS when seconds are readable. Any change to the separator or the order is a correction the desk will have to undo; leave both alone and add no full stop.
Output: **2:01:54**
